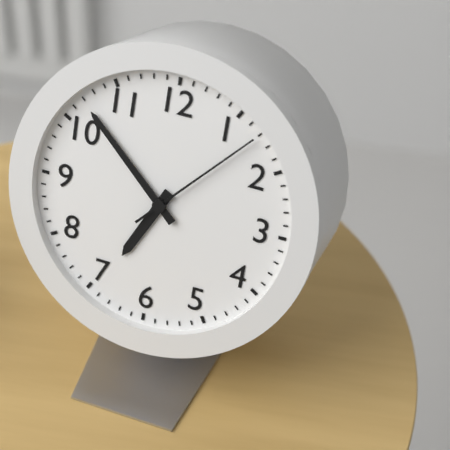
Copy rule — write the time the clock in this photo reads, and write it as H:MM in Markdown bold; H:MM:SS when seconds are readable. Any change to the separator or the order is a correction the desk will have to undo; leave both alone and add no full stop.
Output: **6:52:07**
